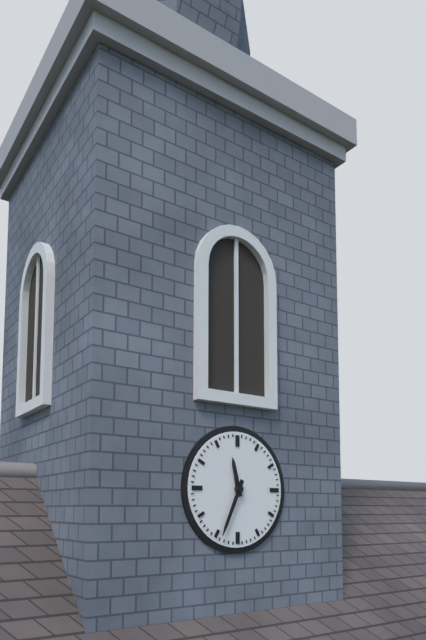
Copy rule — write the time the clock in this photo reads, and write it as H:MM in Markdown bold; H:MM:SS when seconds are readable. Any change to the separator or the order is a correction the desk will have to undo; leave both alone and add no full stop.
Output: **11:34**
